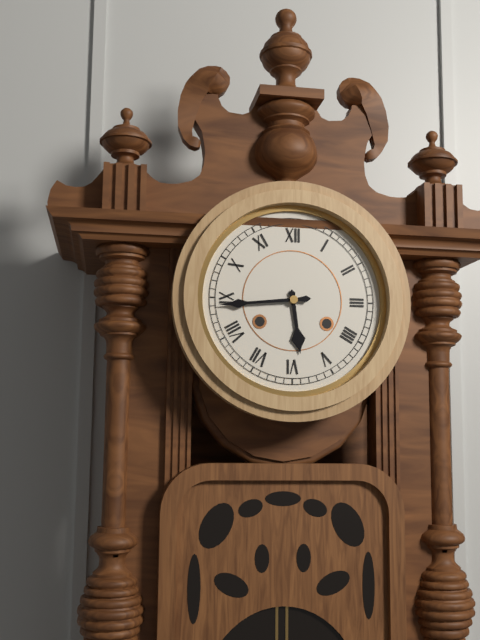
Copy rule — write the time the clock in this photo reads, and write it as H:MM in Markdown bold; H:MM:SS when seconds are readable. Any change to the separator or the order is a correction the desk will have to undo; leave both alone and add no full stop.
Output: **5:44**
